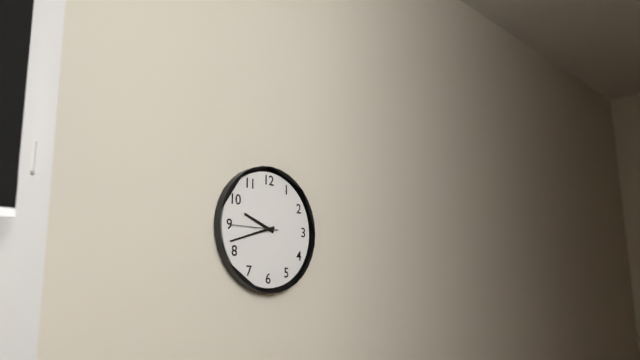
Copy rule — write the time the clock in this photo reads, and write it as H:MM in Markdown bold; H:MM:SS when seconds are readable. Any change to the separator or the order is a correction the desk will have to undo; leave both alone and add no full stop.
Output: **9:42:45**
